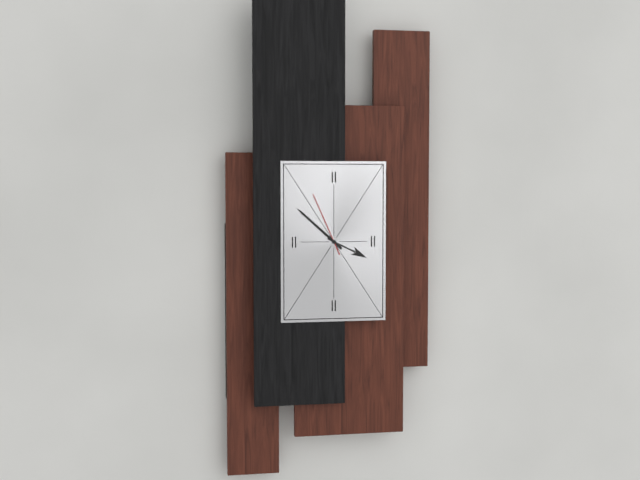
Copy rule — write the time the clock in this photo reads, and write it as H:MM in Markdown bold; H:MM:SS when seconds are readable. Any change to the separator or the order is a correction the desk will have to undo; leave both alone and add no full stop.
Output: **3:52:56**
